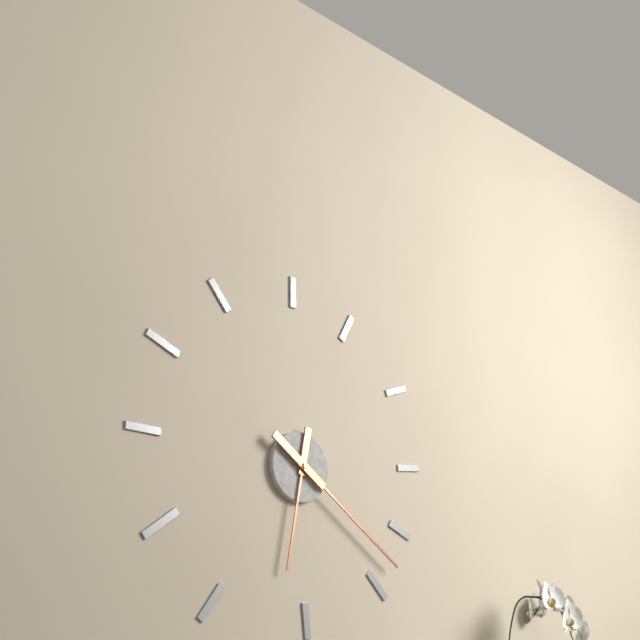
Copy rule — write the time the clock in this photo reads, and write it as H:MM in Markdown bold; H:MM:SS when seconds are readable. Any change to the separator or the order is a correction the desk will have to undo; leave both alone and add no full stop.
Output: **6:21**
